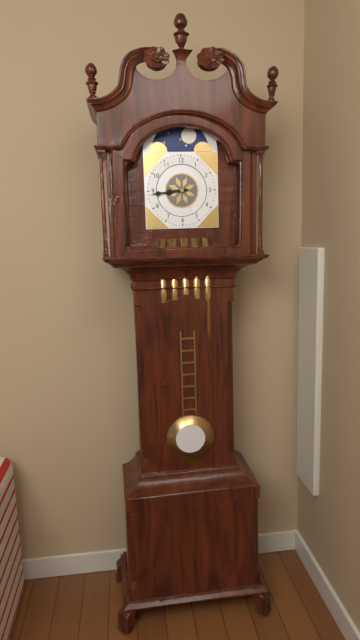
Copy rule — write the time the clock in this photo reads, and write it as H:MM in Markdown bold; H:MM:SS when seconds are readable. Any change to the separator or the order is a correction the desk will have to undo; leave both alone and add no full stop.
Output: **8:44**
